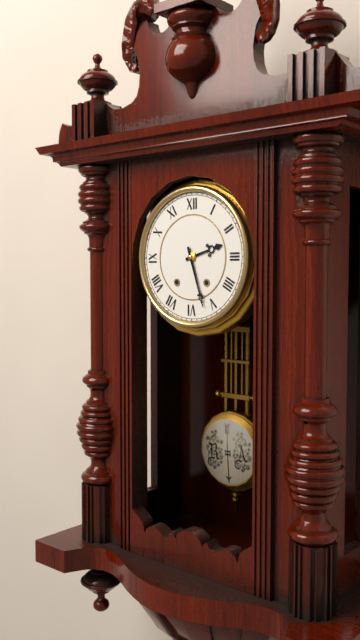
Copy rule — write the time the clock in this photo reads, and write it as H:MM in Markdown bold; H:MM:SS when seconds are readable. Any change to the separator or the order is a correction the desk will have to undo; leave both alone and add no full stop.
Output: **2:27**
